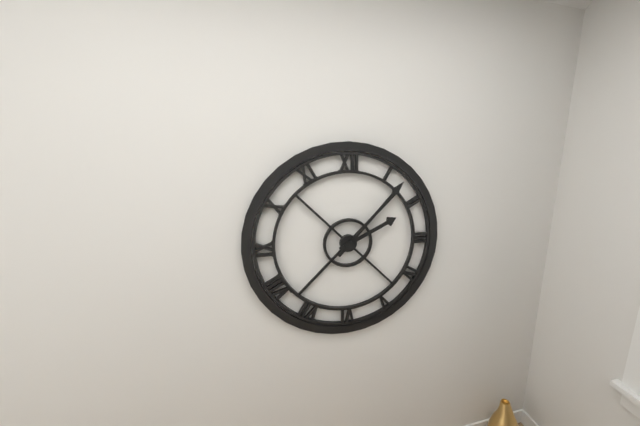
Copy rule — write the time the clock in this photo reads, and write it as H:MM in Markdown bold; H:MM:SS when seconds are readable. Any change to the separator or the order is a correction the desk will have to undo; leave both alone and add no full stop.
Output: **2:07**
